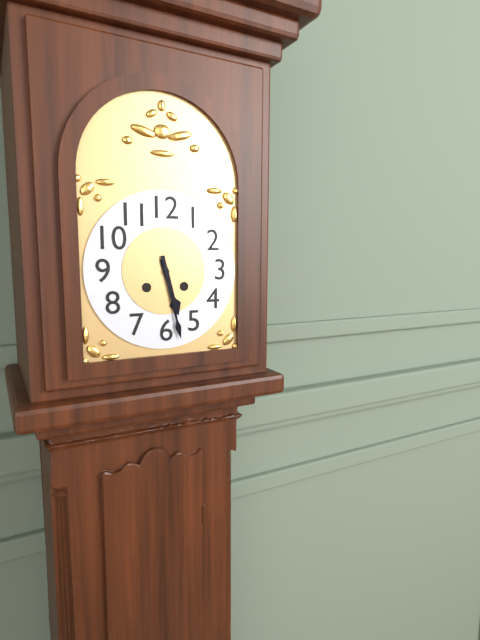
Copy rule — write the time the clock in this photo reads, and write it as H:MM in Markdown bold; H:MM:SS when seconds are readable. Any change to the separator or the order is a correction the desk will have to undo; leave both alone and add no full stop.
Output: **5:28**
